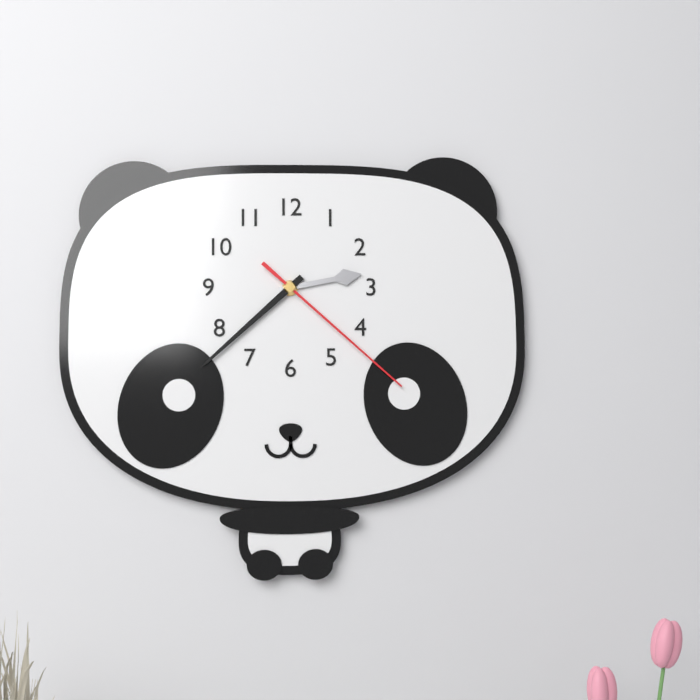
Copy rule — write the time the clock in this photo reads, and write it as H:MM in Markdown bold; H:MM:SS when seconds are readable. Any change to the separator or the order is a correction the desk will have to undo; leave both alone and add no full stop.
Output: **2:38:22**
